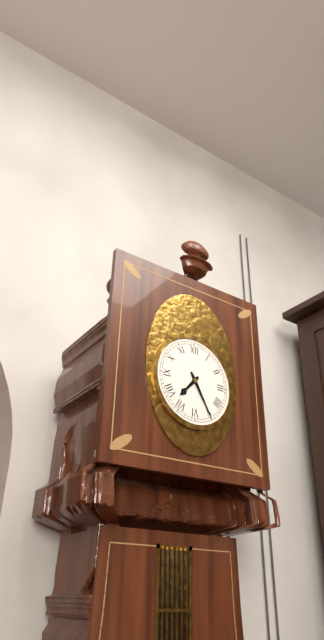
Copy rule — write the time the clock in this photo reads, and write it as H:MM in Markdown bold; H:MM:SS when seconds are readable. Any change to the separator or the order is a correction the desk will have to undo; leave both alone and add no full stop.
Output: **7:25**
